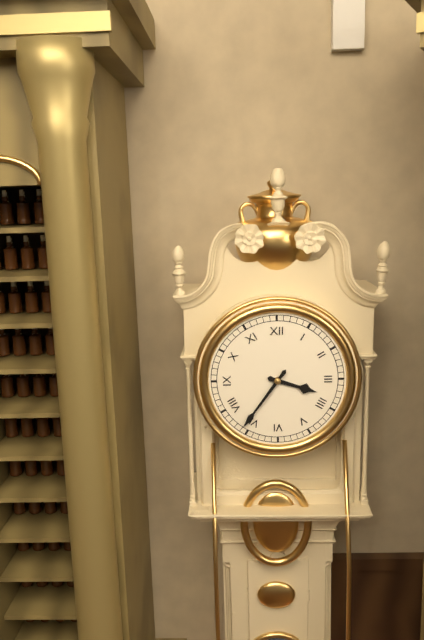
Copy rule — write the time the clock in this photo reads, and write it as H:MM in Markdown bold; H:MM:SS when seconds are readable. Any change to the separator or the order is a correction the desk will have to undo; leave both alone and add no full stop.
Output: **3:36**
